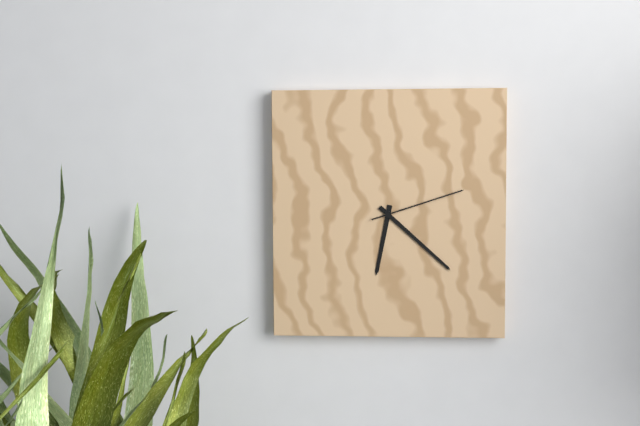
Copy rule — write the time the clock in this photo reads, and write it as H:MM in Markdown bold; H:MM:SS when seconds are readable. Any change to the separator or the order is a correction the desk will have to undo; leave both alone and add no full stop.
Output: **6:22:12**
